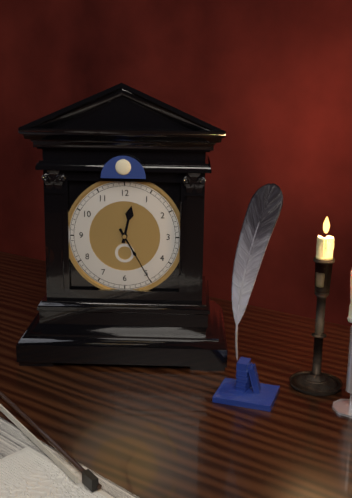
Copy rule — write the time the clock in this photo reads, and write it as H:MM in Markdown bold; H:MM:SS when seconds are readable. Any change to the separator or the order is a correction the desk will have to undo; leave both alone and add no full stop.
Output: **12:25**
